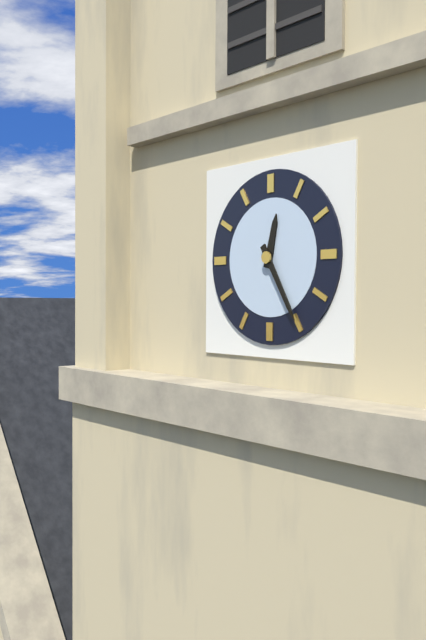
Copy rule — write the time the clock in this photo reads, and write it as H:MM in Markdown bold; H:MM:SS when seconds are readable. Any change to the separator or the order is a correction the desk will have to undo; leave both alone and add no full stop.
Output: **12:25**
